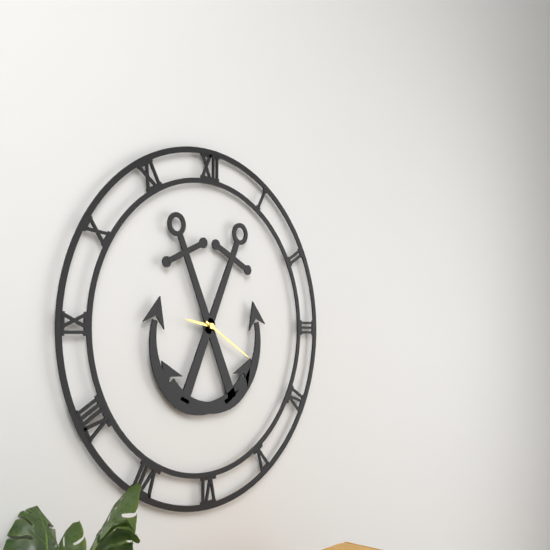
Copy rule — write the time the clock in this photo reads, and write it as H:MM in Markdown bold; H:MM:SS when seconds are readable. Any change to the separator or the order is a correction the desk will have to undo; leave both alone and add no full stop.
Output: **9:20**
